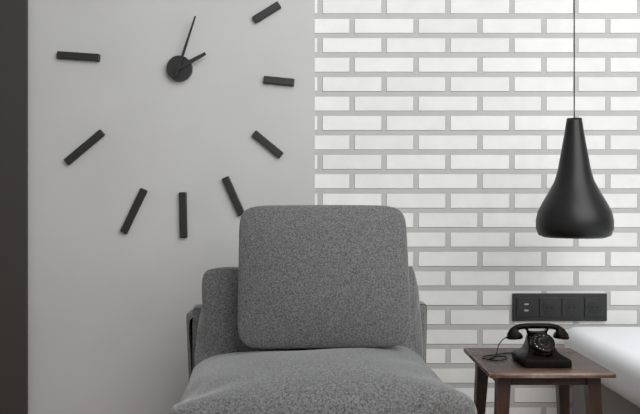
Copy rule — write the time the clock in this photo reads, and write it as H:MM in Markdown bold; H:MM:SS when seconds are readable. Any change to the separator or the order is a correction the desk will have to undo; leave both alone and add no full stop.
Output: **2:03**
